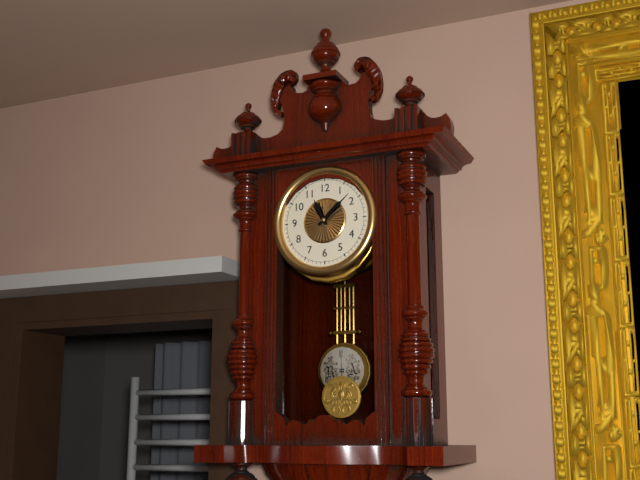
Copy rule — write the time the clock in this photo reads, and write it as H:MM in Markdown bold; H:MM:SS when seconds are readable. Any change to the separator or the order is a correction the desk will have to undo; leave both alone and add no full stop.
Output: **11:08**
